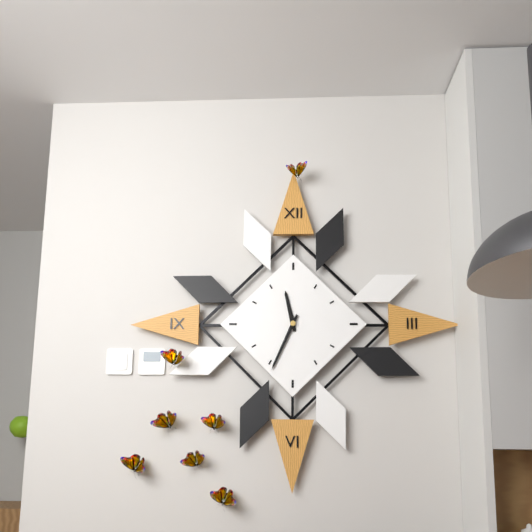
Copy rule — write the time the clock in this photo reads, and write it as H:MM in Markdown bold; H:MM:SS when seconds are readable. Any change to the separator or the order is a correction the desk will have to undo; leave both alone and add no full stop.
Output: **11:34**
